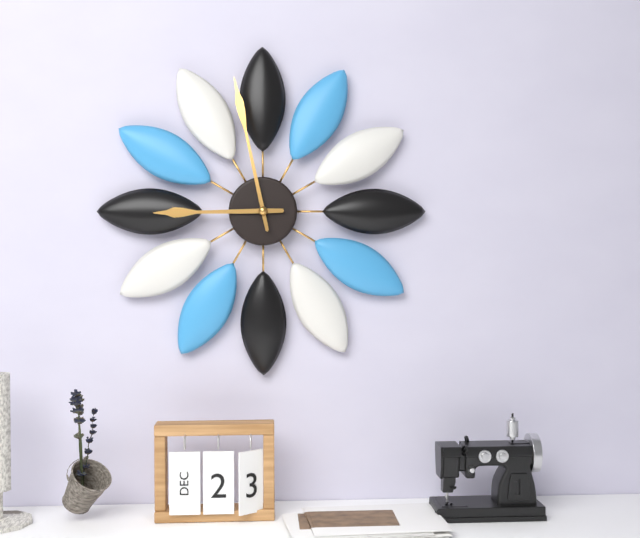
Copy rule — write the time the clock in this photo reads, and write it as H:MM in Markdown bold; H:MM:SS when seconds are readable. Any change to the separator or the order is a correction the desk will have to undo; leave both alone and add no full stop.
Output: **8:58**
